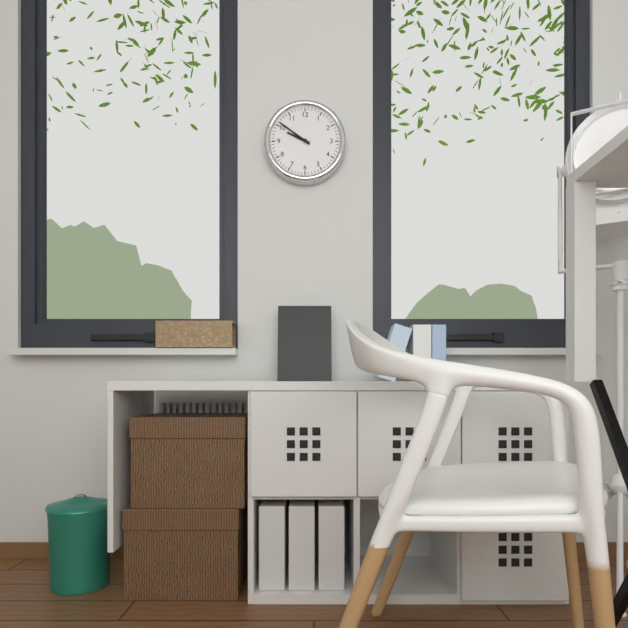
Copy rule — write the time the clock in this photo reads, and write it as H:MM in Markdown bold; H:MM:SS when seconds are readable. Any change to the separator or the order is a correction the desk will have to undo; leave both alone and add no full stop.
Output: **9:51**
